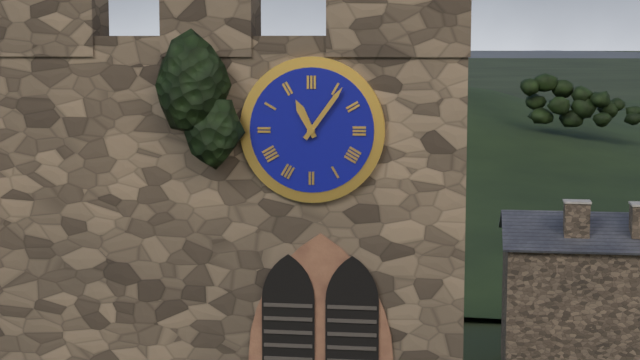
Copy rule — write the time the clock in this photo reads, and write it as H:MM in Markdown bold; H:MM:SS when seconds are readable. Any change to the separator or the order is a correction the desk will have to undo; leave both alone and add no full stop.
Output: **11:06**
